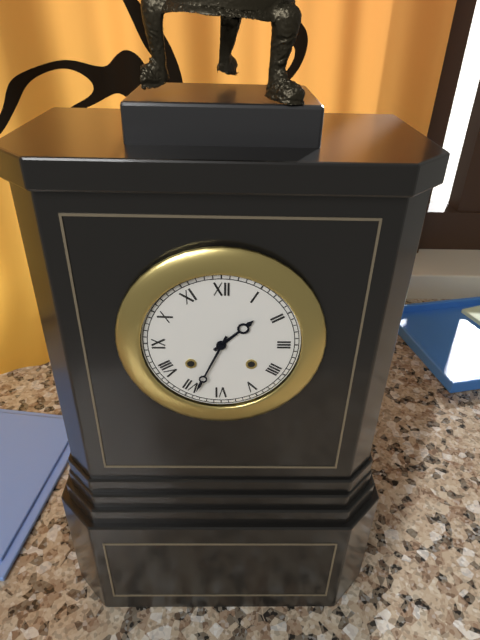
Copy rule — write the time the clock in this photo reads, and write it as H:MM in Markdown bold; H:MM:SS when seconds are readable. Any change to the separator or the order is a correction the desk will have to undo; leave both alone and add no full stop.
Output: **1:34**
